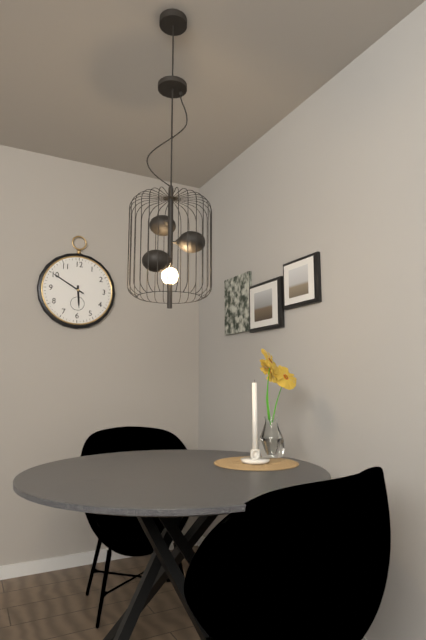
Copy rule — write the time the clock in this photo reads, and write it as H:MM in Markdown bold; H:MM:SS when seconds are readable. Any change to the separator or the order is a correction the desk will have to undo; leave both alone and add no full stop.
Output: **5:50**
